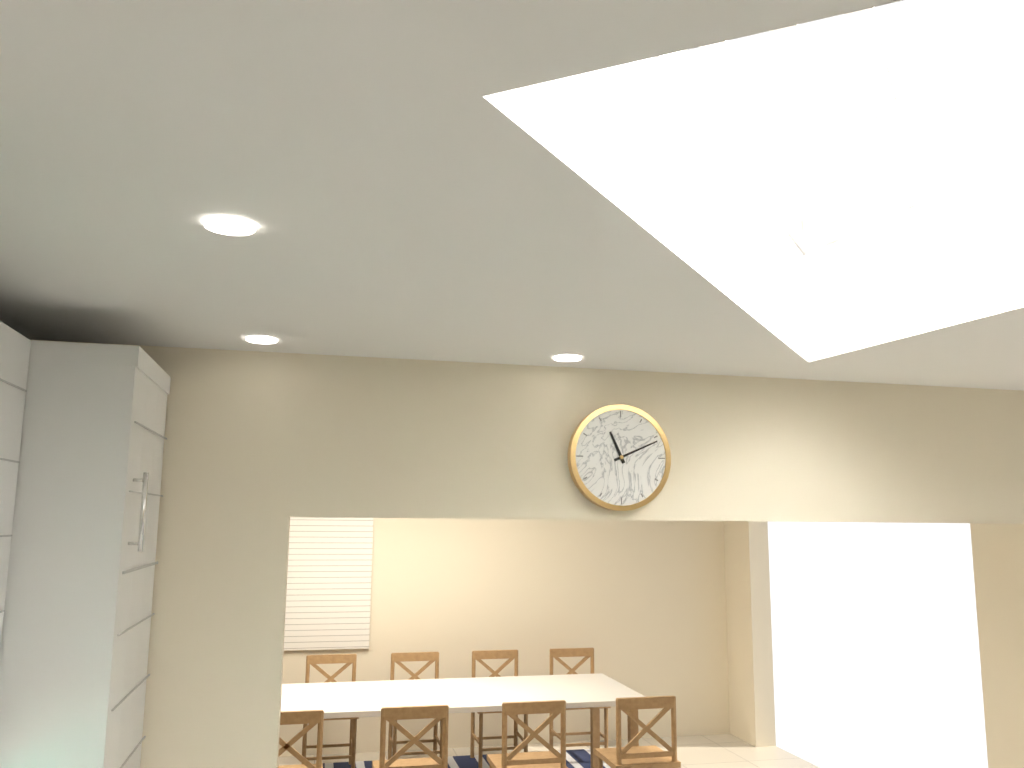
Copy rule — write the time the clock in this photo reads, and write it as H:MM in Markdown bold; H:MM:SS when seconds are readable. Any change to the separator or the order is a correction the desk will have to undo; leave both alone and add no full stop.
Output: **11:11**
